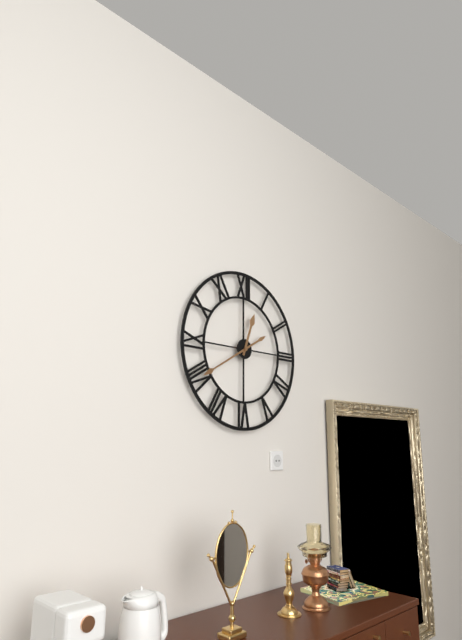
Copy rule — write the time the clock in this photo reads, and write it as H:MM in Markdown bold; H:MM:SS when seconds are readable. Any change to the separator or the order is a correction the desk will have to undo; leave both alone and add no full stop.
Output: **12:40**
